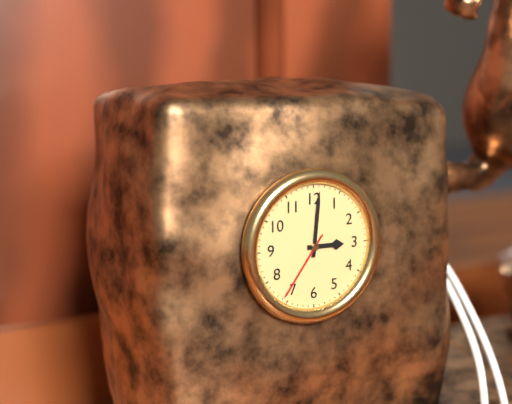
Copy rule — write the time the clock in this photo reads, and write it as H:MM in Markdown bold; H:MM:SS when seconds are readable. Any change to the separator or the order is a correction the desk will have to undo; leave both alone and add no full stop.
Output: **3:01:36**
